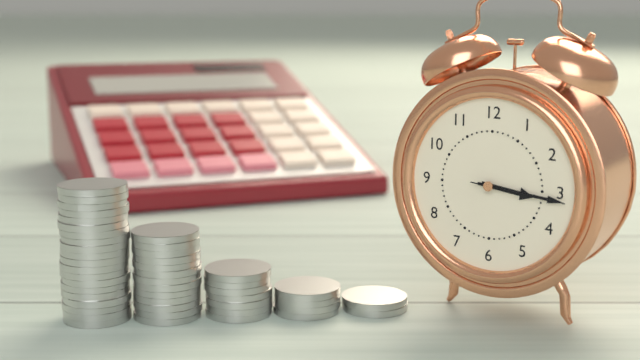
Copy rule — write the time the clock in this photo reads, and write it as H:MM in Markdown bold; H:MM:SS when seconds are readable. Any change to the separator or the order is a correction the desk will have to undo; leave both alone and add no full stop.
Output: **3:16:16**
